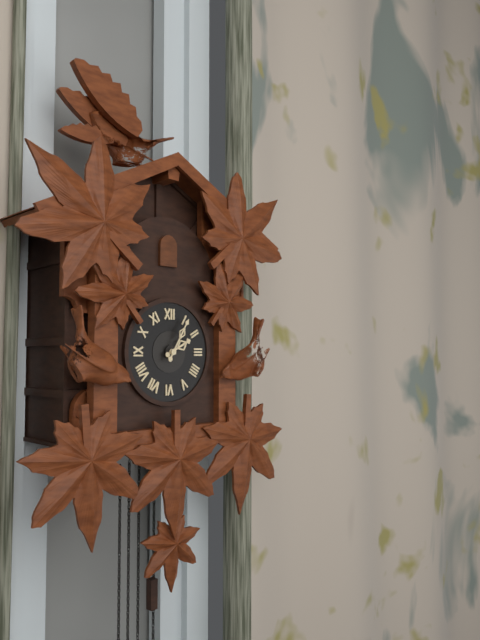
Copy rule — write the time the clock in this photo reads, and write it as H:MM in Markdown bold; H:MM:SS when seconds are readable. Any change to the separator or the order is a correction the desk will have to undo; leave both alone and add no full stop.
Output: **2:05**
